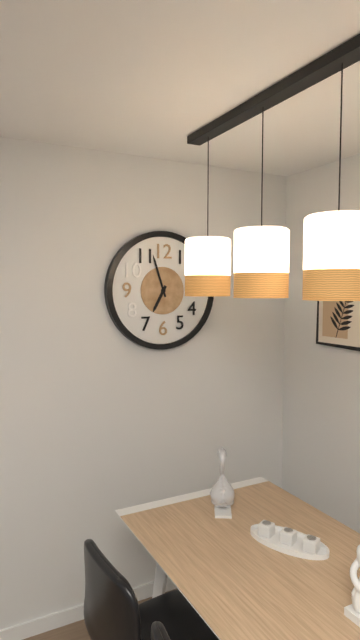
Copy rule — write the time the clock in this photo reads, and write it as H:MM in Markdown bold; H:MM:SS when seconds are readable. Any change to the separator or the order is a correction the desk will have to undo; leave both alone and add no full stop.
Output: **6:57**
